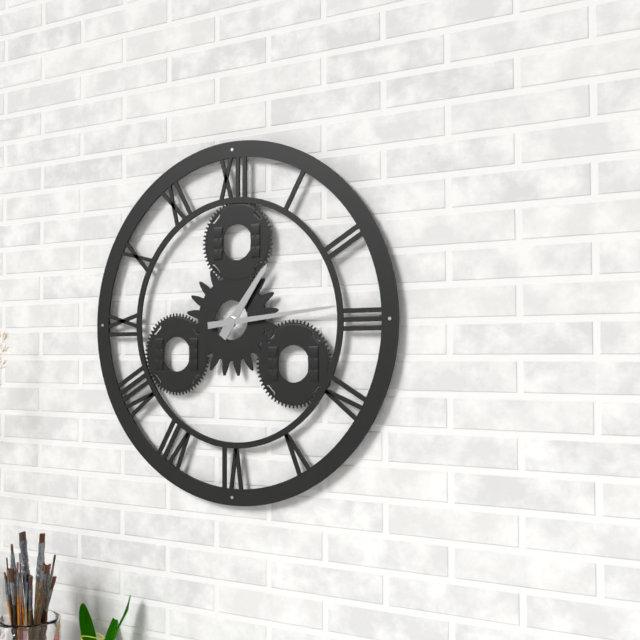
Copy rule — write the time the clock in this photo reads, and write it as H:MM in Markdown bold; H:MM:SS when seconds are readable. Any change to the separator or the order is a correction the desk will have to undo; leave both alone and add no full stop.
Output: **1:14**
